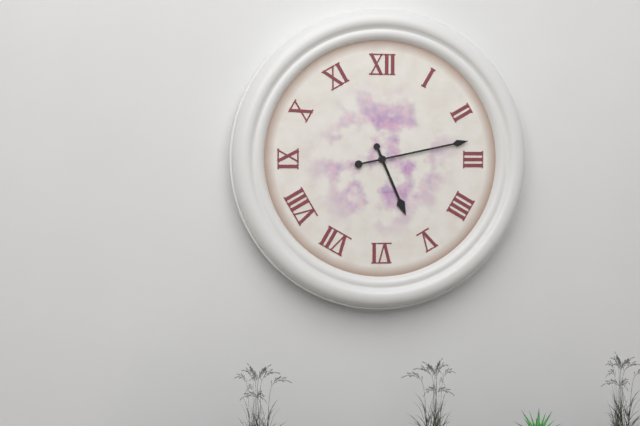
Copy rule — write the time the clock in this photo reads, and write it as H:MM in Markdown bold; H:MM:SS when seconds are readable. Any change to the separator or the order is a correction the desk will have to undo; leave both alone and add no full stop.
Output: **5:13**
